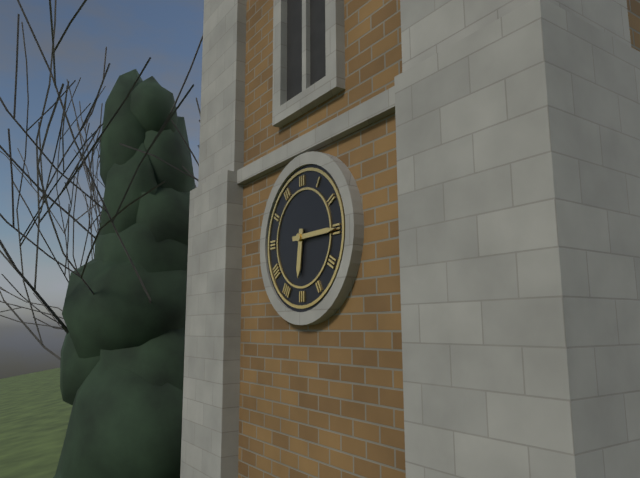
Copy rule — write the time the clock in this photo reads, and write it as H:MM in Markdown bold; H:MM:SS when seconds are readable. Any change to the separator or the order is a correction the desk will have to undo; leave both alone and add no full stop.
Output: **6:15**
